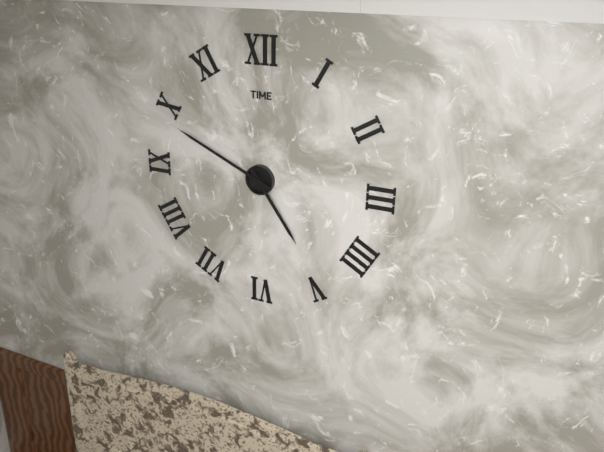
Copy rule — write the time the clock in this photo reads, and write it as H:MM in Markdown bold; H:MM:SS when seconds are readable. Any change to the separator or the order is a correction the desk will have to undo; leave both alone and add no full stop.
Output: **4:49**
